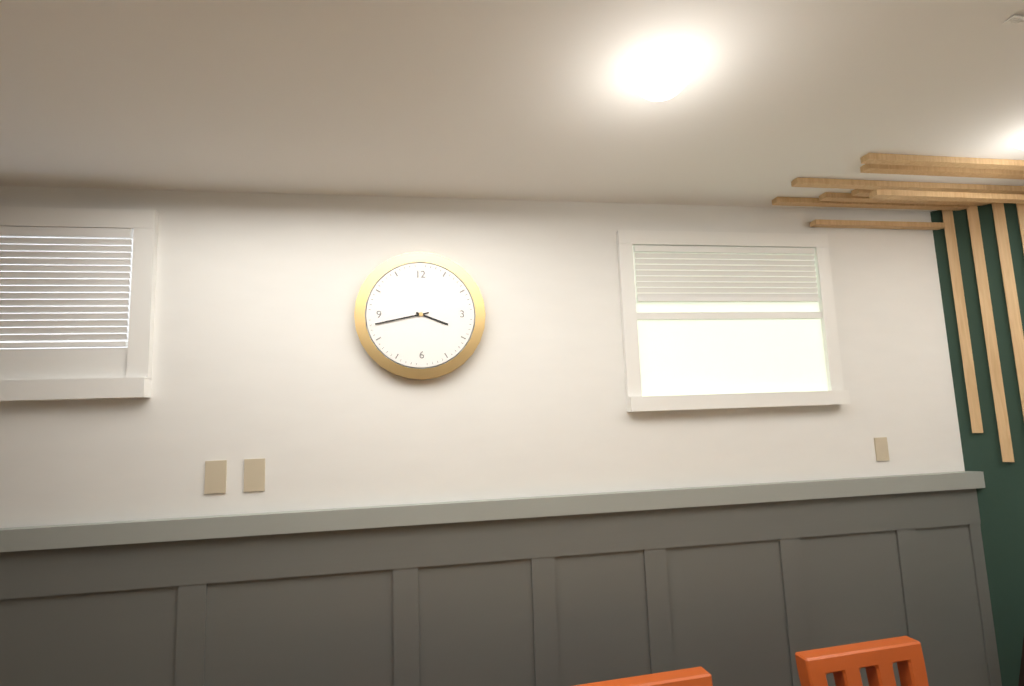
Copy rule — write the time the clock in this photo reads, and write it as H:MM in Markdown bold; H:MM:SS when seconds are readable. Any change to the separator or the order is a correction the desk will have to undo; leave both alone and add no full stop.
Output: **3:43**
